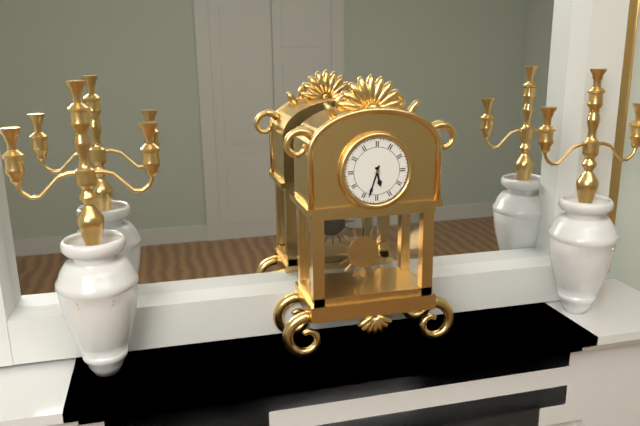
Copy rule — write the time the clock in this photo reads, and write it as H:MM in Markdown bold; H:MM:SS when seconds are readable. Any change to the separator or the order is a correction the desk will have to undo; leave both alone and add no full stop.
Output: **5:33**
